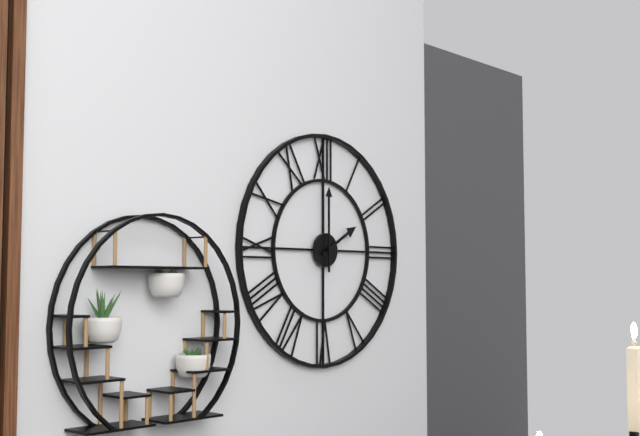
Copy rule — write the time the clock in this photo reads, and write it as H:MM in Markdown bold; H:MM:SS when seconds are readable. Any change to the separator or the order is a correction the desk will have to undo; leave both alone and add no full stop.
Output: **2:00**
